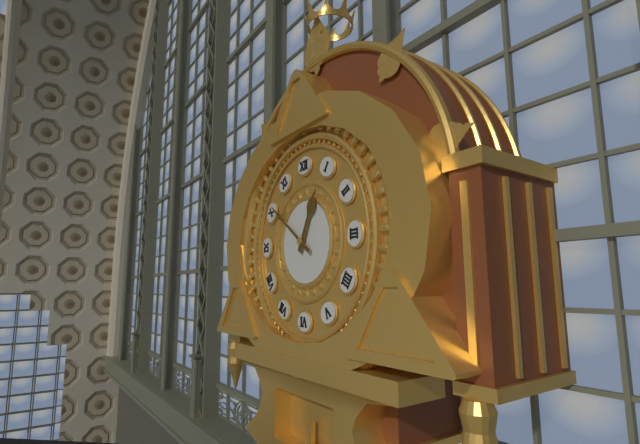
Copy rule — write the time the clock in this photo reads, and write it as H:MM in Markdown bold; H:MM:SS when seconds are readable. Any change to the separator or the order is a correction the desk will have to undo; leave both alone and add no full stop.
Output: **12:51**
